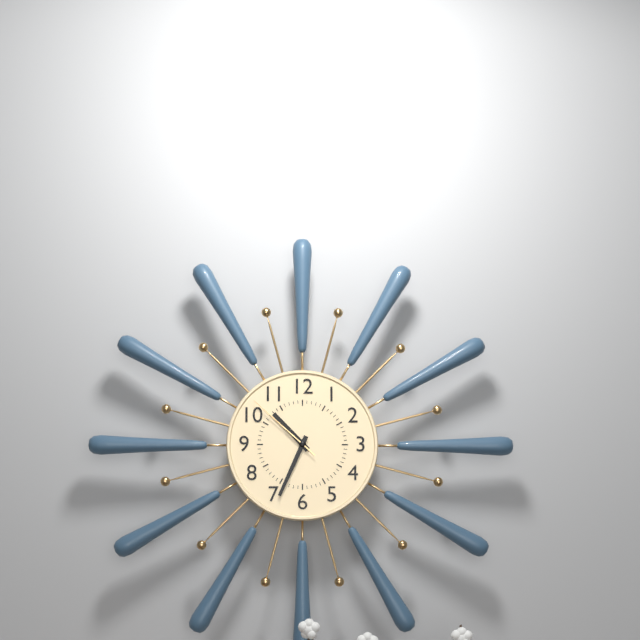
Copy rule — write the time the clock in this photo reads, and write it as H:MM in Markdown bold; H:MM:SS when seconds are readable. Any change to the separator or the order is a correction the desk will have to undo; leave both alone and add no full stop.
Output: **10:34:52**
